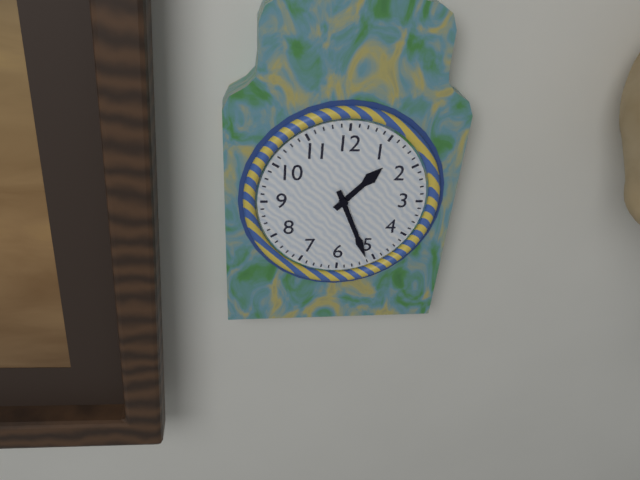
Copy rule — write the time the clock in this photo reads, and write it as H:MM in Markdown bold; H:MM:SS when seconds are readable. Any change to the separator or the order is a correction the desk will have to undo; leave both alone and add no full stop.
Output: **1:26**
